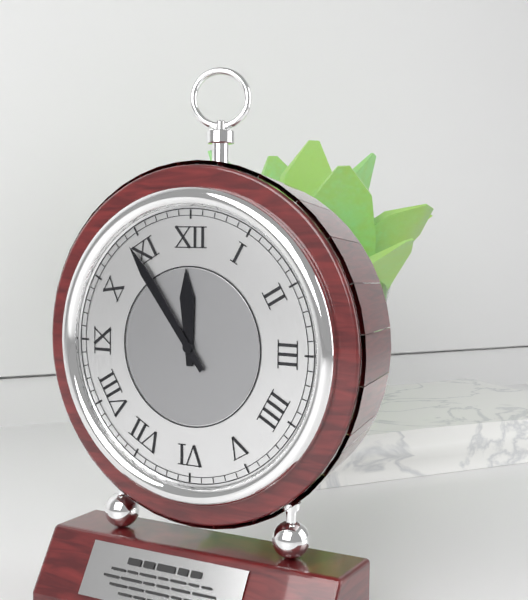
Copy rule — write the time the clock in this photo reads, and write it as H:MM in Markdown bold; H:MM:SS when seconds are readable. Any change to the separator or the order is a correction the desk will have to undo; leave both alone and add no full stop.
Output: **11:54**
